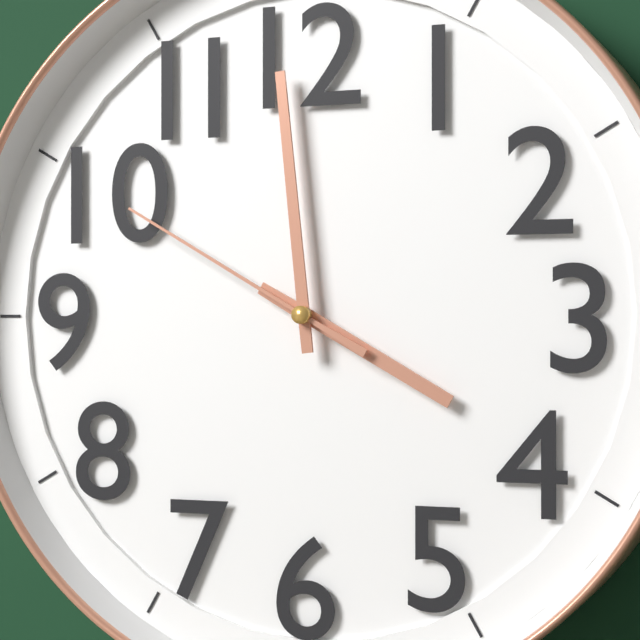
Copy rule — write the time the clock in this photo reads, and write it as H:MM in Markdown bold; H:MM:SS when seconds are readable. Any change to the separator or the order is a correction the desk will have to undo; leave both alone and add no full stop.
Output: **3:59:50**
